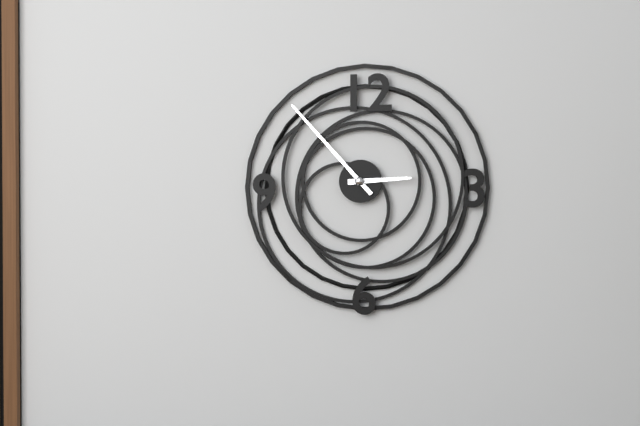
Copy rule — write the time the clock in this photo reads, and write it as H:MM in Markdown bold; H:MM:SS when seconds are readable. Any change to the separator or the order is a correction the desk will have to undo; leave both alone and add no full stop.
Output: **2:53**
